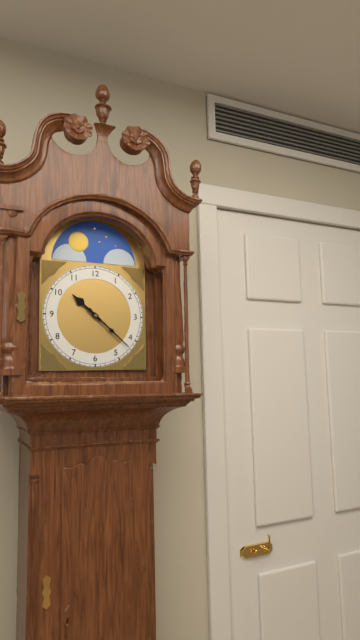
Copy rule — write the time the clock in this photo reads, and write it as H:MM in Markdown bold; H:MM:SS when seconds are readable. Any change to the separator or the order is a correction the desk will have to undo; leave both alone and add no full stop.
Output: **10:22**
